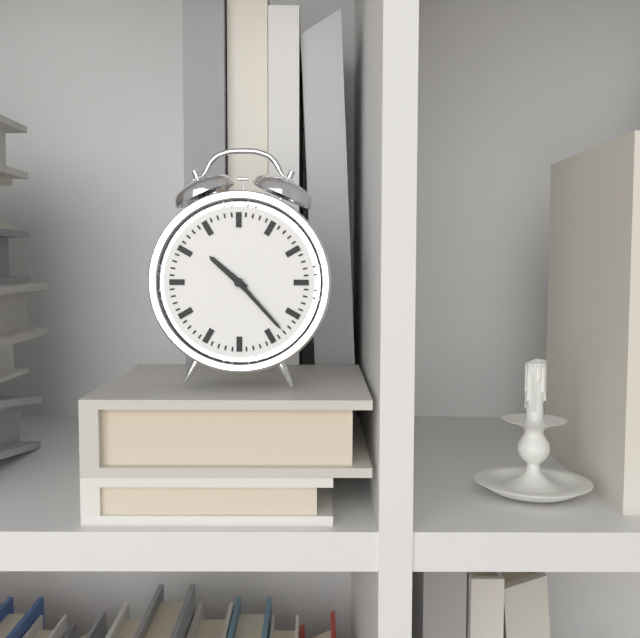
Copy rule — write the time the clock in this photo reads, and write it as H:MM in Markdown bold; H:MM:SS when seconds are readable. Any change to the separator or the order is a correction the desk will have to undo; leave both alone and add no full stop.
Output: **10:23**
